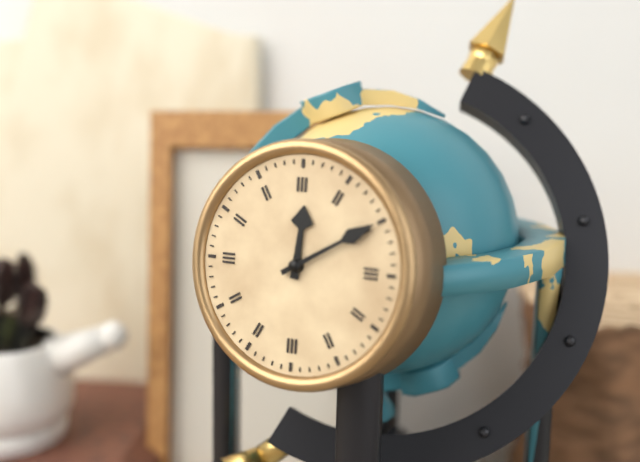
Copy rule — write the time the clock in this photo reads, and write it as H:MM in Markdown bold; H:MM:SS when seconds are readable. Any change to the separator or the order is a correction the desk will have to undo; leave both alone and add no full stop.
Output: **12:10**
